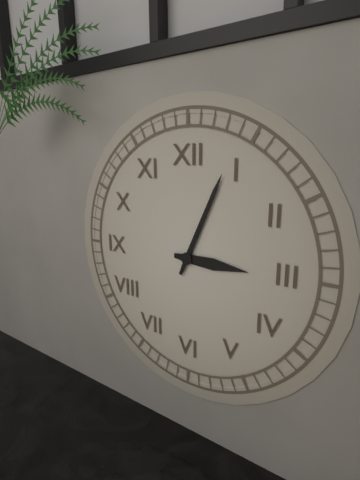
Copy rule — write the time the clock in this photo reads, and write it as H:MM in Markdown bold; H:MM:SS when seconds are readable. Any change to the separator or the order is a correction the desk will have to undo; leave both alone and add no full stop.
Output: **3:04**
